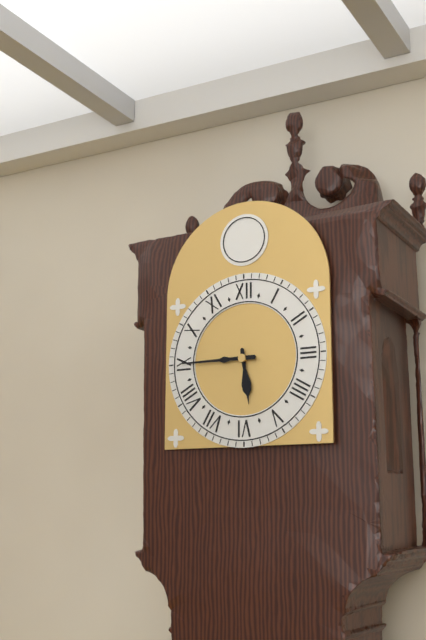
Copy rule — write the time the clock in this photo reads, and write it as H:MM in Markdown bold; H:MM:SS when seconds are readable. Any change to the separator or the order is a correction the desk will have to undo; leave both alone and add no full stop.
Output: **5:45**
